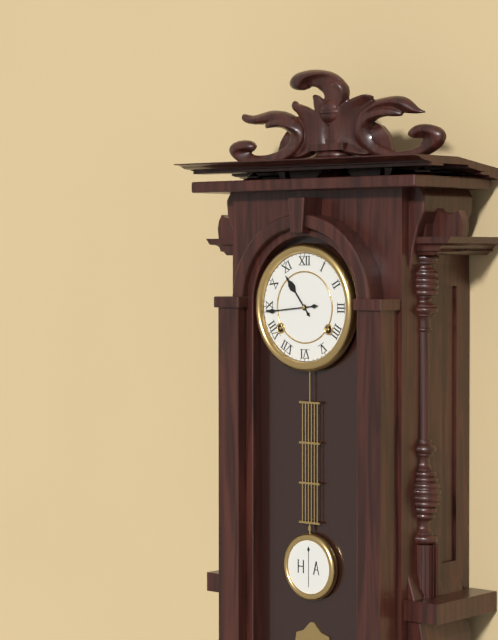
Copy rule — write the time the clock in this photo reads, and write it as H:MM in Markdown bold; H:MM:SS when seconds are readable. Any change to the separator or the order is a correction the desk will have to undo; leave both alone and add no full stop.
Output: **10:44**
